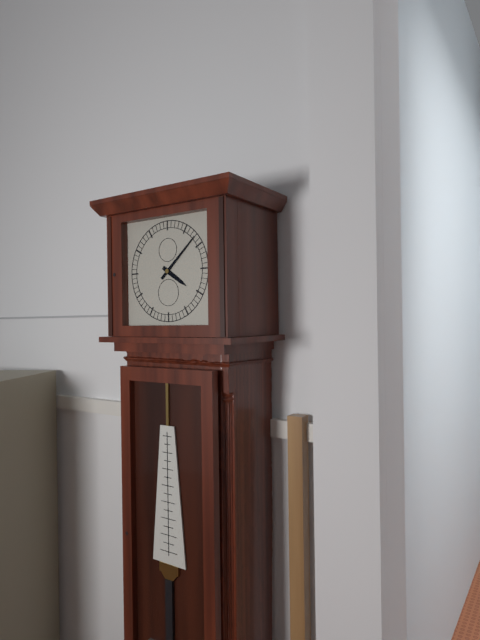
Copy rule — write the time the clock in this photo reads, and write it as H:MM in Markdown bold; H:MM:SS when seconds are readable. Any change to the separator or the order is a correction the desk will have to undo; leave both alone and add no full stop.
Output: **4:08**
